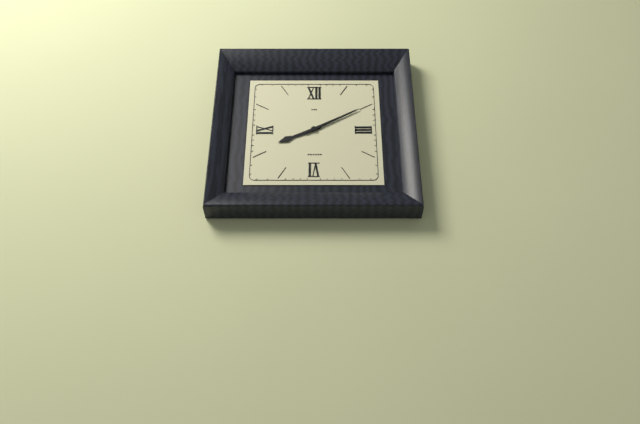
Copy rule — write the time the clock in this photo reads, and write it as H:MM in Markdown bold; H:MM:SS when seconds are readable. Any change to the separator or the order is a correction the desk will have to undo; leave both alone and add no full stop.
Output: **8:10**
